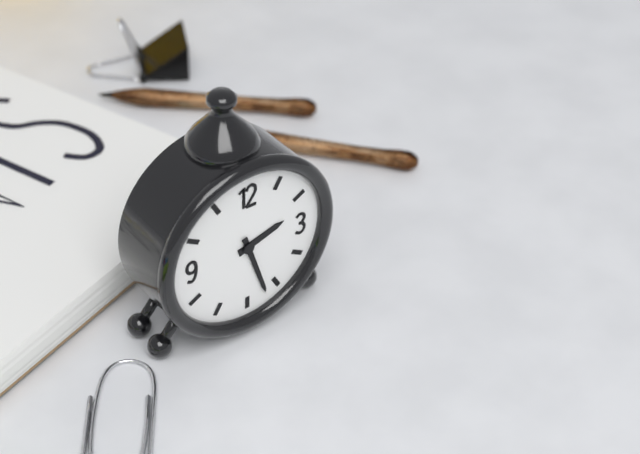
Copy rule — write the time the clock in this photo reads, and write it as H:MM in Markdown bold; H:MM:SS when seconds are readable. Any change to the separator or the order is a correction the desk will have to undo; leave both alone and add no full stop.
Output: **2:27**
